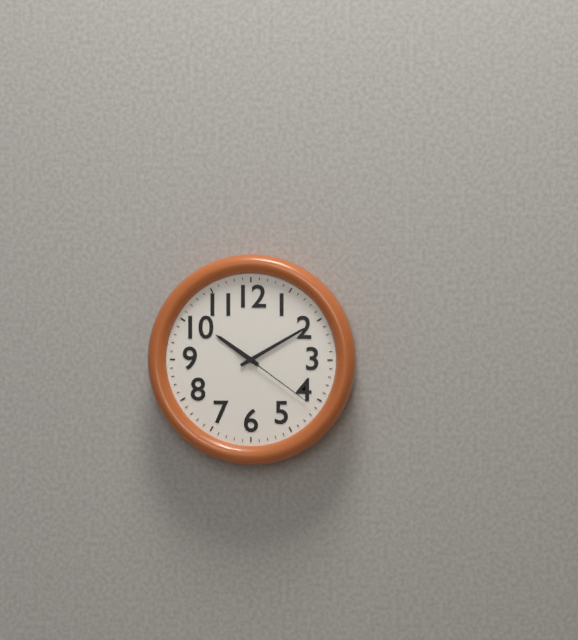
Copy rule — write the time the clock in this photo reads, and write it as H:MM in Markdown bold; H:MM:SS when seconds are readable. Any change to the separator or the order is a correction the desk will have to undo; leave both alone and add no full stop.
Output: **10:10:21**
